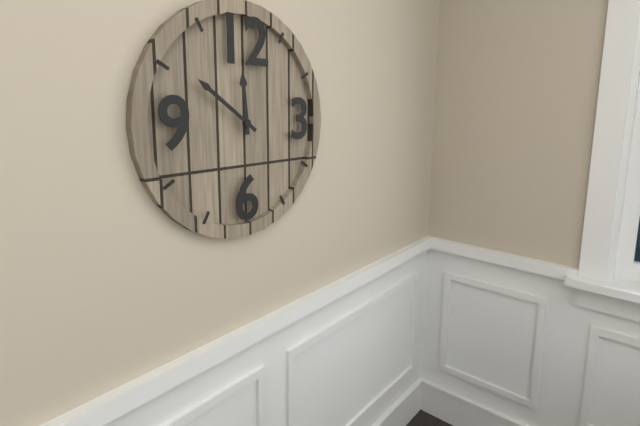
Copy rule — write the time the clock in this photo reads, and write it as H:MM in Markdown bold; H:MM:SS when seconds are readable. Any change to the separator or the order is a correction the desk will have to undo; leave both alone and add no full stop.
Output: **11:51**
